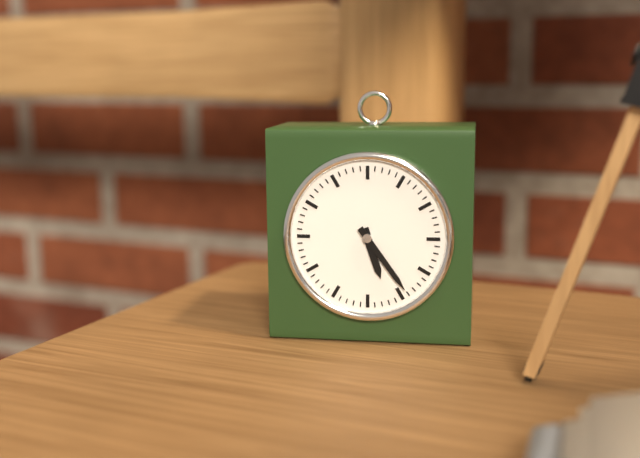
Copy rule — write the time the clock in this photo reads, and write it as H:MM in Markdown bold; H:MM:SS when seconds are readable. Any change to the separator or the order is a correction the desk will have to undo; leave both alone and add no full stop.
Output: **5:24**
